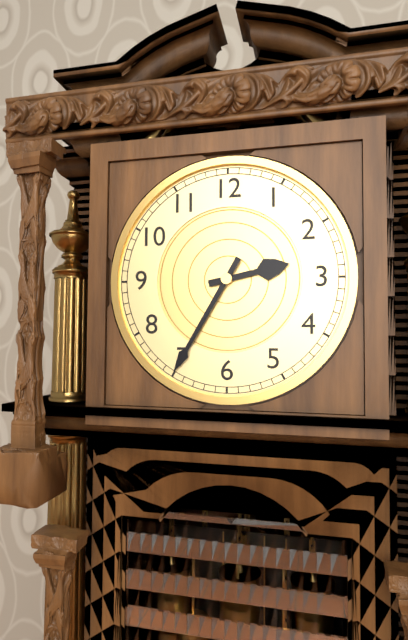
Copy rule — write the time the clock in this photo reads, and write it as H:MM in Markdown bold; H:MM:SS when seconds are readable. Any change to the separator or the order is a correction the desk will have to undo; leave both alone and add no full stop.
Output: **2:35**
